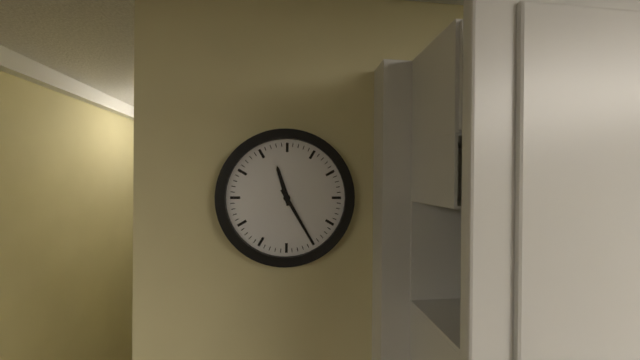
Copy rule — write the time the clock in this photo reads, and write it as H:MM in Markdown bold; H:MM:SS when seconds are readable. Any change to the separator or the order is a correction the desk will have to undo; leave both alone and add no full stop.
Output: **11:25**
